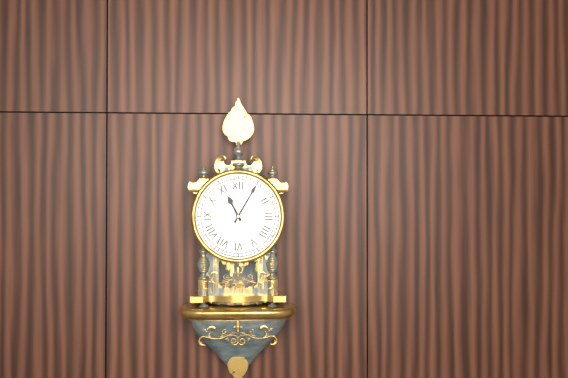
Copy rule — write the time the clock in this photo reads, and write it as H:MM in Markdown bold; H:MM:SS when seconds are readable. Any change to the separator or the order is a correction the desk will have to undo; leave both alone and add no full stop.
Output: **11:05**
